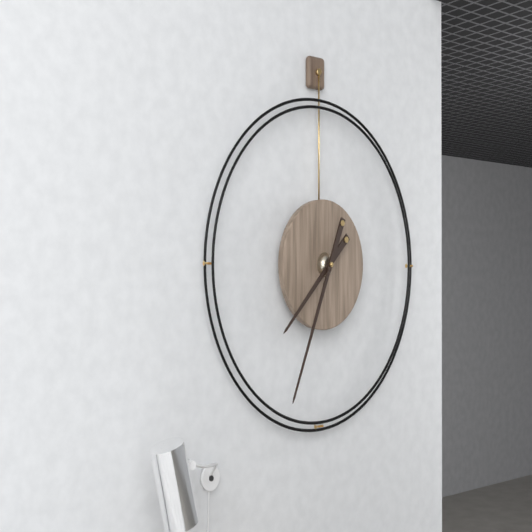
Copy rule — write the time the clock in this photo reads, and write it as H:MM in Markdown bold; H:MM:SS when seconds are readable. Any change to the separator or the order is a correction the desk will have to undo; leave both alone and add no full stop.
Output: **7:34**
